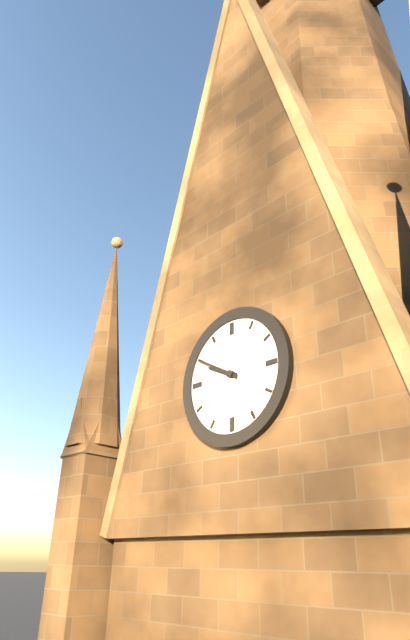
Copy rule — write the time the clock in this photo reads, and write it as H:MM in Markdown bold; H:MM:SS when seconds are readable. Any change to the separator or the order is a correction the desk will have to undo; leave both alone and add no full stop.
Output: **9:50**
